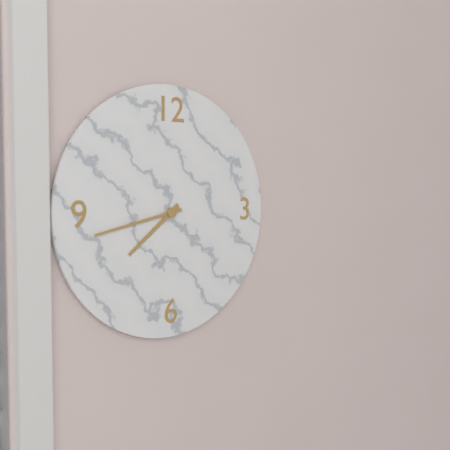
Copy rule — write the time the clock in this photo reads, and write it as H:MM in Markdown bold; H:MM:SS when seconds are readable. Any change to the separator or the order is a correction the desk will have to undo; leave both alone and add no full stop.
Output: **7:43**
